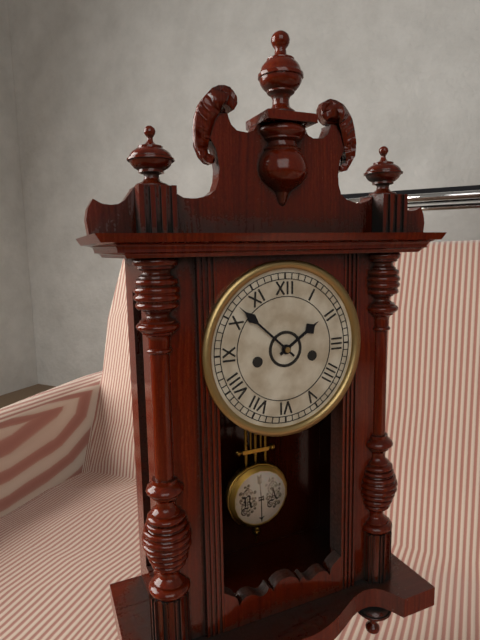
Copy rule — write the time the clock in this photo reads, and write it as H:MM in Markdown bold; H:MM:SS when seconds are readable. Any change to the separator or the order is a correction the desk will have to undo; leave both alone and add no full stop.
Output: **1:52**
